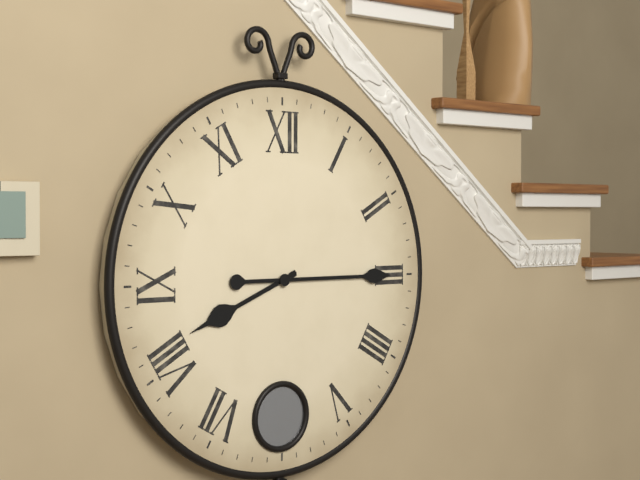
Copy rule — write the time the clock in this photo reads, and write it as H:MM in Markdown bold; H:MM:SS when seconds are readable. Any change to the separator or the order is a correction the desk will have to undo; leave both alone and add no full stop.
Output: **8:15**
